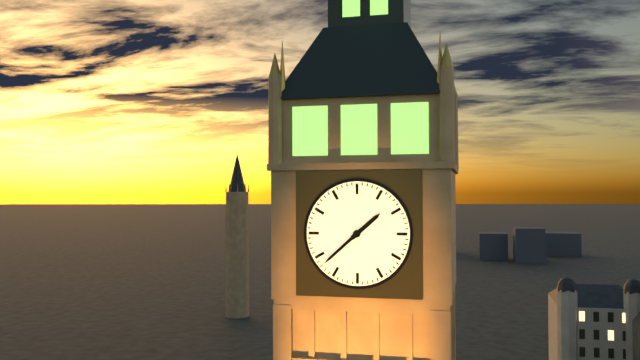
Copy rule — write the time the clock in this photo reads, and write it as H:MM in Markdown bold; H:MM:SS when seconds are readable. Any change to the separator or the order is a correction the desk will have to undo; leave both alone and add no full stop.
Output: **1:38**
